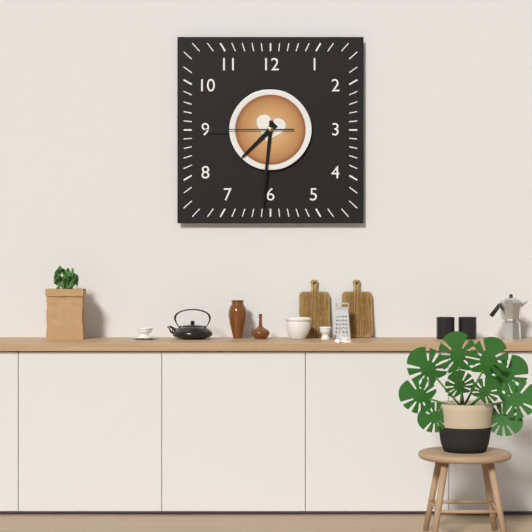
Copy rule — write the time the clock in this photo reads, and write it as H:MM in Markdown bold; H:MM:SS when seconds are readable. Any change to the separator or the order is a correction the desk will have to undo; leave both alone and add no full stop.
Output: **7:31:45**
